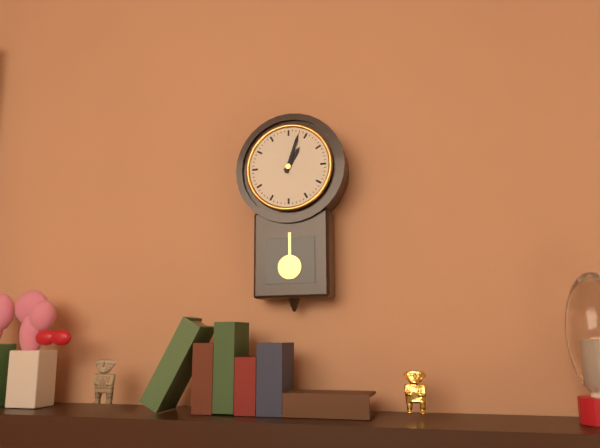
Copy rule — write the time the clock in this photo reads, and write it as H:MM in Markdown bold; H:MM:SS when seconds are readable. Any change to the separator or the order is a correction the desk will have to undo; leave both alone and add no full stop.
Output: **1:03**
